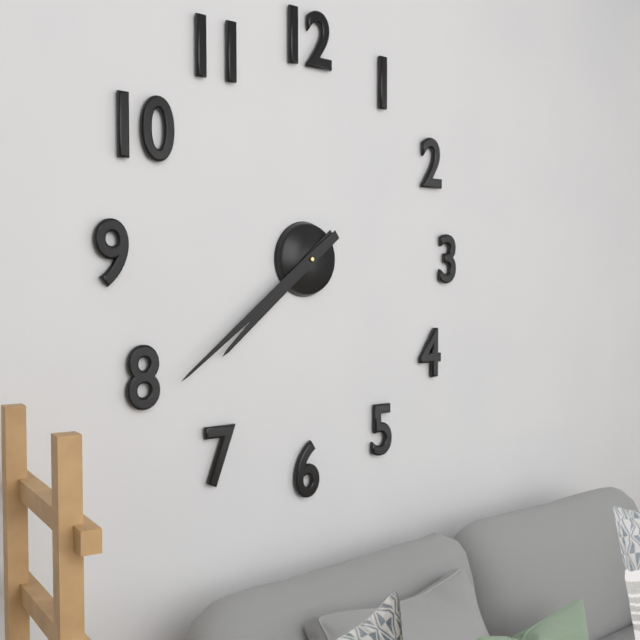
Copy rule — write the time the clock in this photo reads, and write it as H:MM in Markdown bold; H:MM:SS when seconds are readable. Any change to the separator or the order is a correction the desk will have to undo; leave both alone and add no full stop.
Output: **7:39**
